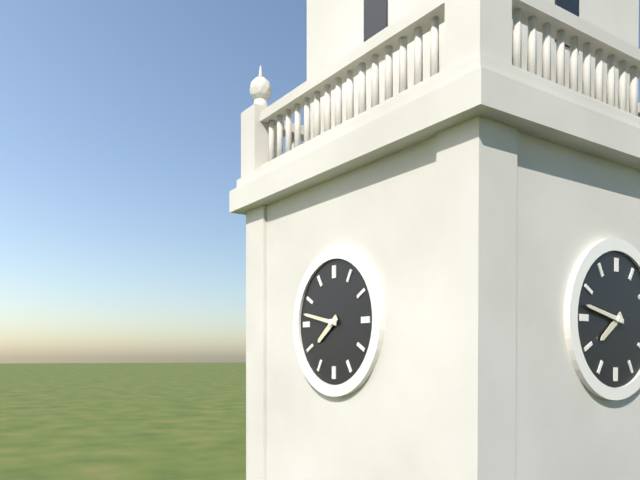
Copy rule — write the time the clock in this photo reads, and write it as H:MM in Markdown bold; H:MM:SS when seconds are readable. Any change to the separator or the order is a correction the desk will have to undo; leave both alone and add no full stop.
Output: **7:47**
